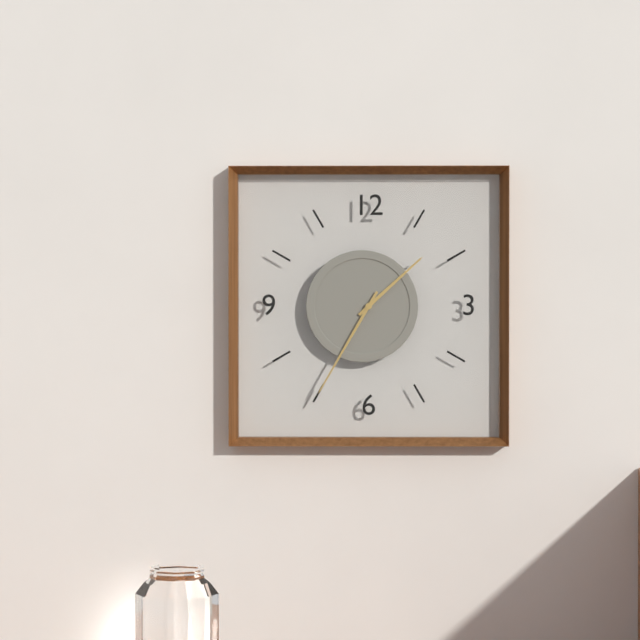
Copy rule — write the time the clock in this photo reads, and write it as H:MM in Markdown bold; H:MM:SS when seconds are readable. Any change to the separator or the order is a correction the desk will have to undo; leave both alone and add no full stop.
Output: **1:35**
